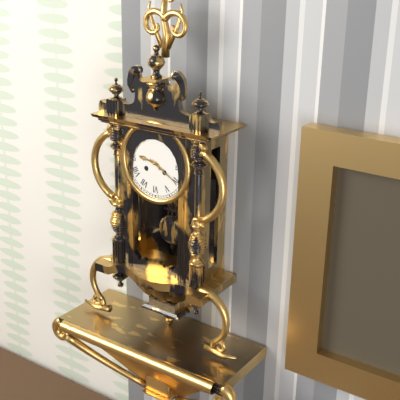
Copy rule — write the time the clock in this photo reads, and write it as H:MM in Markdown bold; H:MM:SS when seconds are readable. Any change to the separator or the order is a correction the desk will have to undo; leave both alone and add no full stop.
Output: **9:20**
